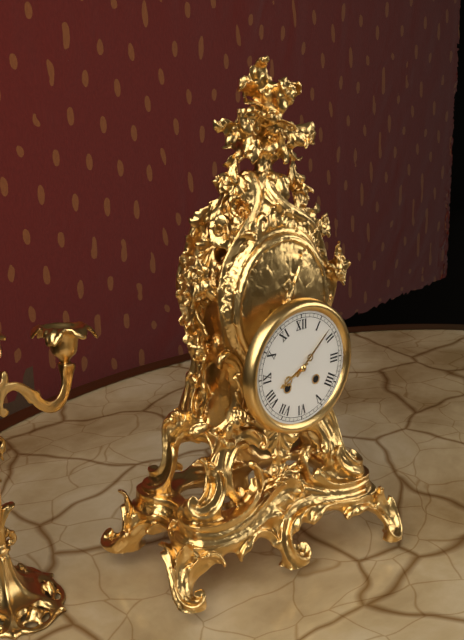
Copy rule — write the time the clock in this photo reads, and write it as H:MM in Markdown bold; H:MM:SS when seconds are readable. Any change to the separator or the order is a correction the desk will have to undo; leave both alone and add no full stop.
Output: **8:08**
